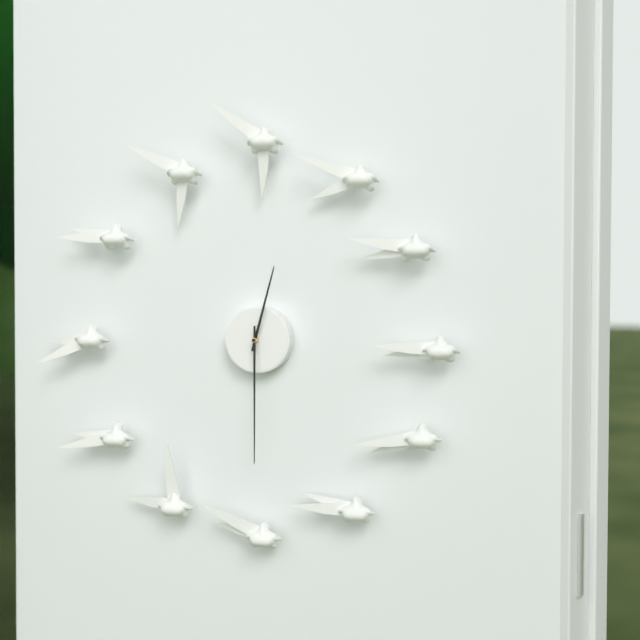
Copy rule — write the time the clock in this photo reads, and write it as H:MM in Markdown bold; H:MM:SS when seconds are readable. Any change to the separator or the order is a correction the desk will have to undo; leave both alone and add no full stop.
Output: **12:30**
